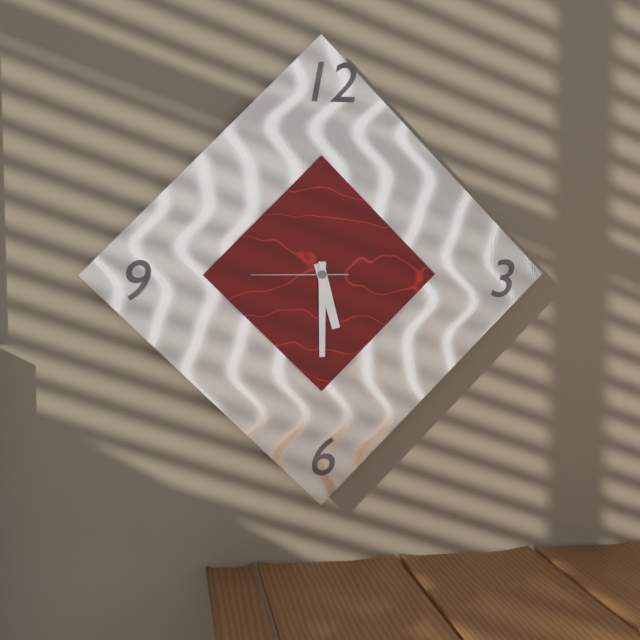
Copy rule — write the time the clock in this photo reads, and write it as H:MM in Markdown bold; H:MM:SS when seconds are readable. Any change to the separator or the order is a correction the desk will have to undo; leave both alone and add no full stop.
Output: **5:30:45**
